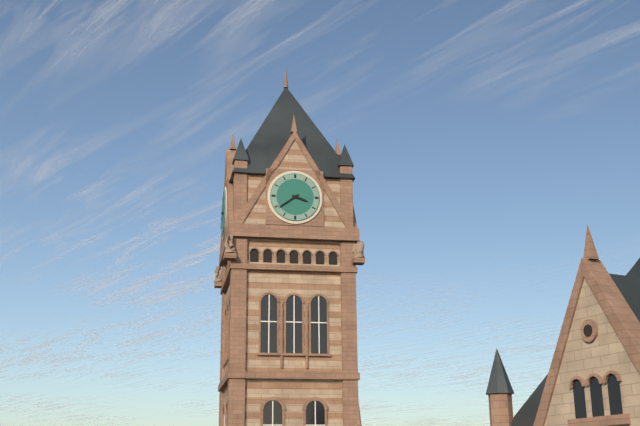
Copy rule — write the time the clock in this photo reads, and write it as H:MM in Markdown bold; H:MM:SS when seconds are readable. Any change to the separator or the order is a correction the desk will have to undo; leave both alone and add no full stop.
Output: **3:39**
